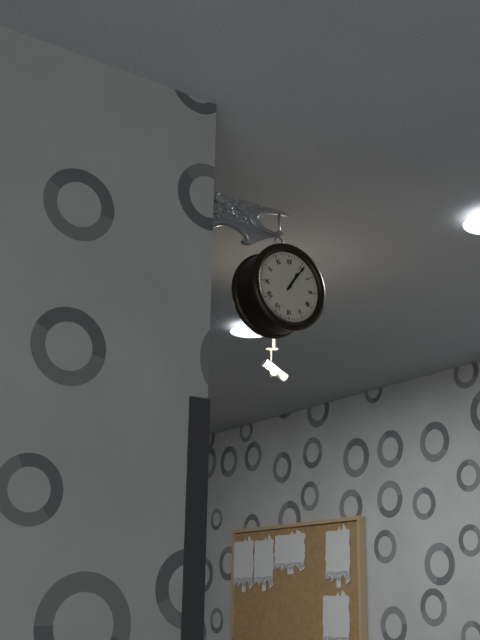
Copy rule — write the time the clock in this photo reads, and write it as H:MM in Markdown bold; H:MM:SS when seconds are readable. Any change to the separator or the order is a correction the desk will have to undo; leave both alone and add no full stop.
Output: **1:06**
